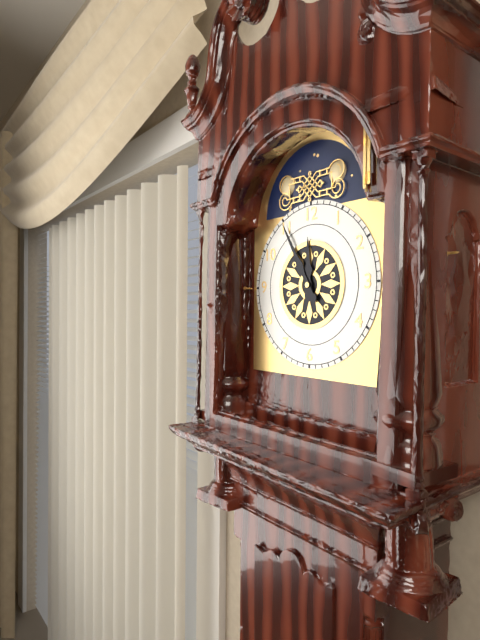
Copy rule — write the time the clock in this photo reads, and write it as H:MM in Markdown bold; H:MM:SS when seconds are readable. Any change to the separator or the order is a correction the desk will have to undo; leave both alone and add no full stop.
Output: **11:55**
